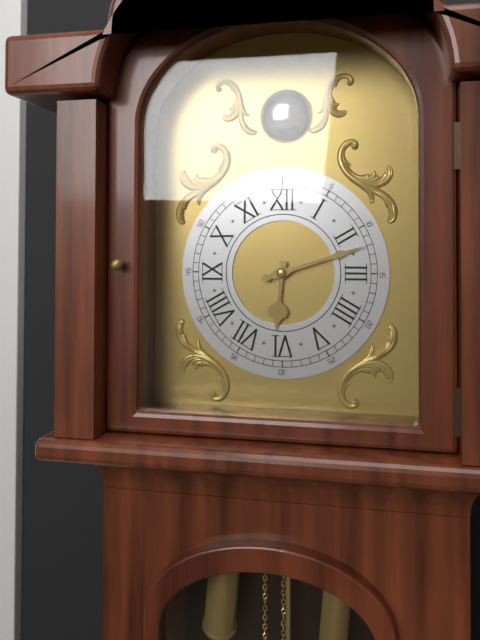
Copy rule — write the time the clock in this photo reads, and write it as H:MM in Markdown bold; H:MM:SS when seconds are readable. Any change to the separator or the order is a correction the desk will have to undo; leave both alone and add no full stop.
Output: **6:12**
